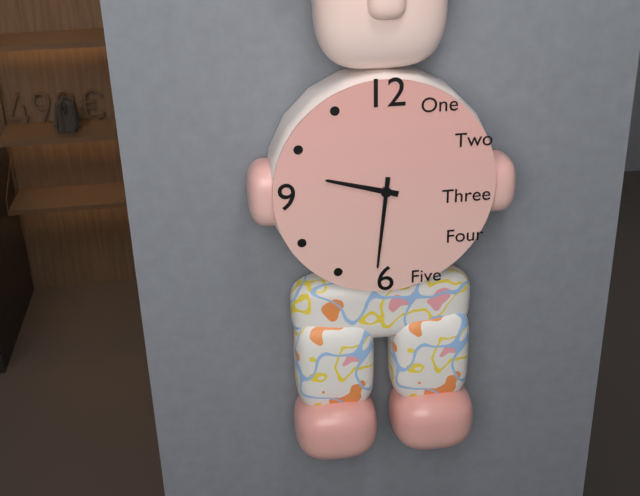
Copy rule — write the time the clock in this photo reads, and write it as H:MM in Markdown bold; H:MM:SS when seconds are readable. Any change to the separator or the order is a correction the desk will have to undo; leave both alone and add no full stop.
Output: **9:31**
